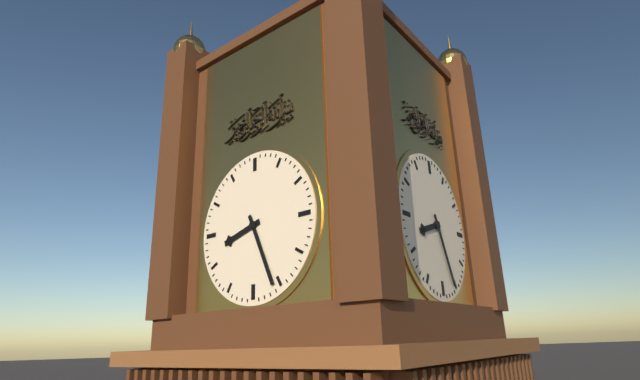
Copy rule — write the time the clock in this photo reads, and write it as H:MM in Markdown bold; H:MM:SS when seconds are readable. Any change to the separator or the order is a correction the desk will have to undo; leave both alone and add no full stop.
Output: **8:26**
